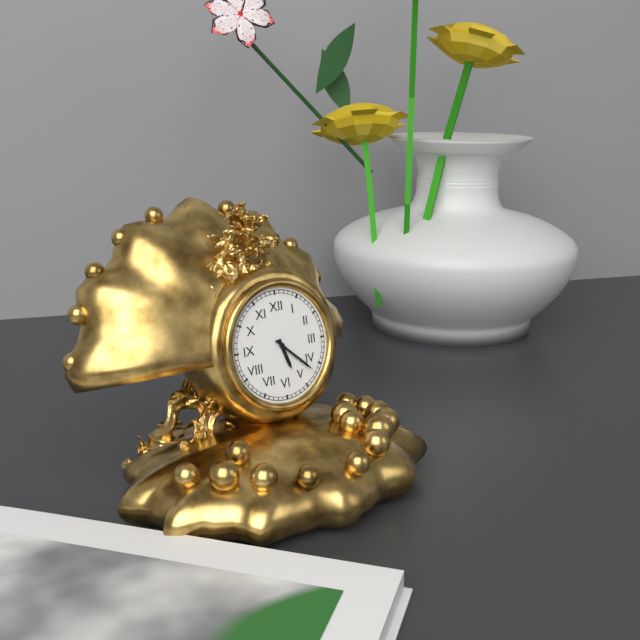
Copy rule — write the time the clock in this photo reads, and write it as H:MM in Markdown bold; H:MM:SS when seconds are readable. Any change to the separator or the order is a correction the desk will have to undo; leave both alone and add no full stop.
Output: **5:22**
